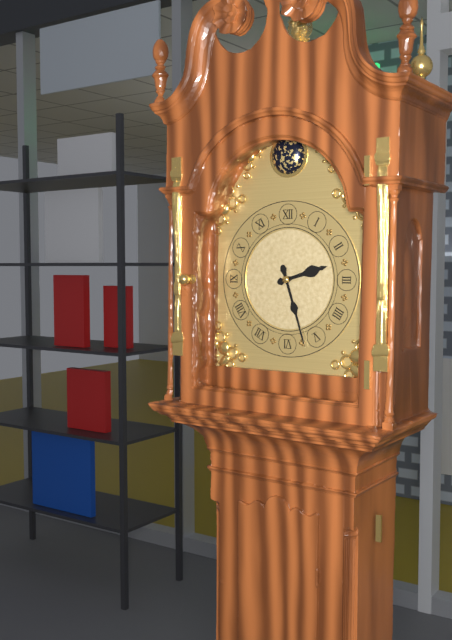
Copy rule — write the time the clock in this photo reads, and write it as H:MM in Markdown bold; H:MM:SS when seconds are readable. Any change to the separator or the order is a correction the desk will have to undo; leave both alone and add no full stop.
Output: **2:27**
